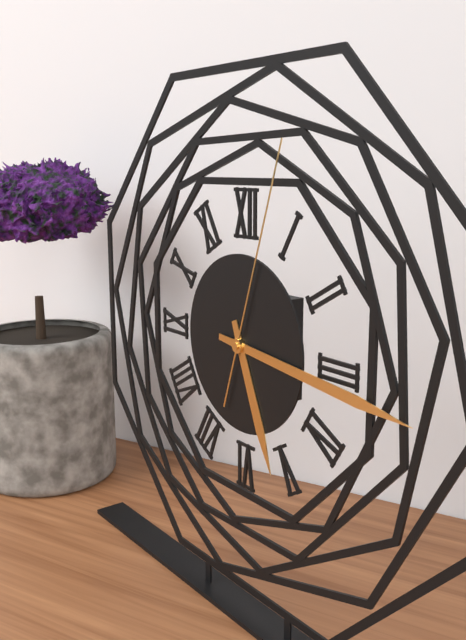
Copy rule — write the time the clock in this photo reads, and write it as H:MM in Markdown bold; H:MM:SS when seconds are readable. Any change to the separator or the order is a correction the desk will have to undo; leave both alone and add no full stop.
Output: **5:16:03**
